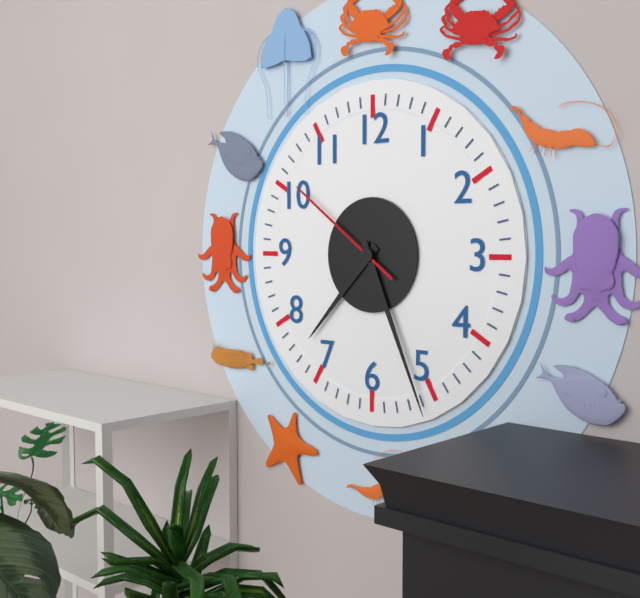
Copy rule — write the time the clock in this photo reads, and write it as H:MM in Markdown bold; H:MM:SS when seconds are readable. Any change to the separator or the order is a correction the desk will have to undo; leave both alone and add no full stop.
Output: **7:26:51**
